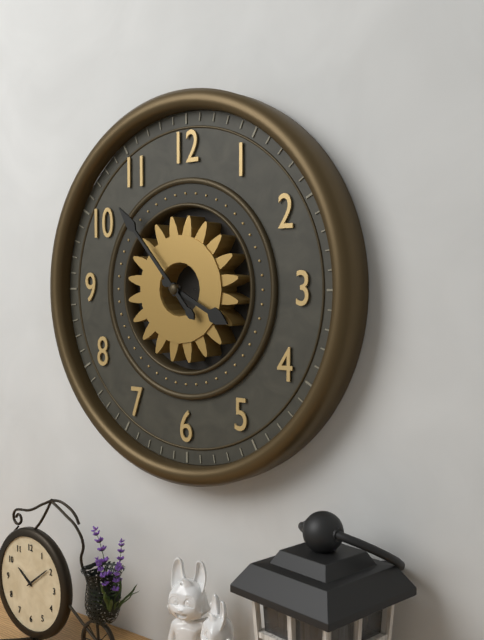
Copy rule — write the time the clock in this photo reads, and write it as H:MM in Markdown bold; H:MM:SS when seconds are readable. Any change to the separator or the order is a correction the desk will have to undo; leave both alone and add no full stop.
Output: **3:53**
